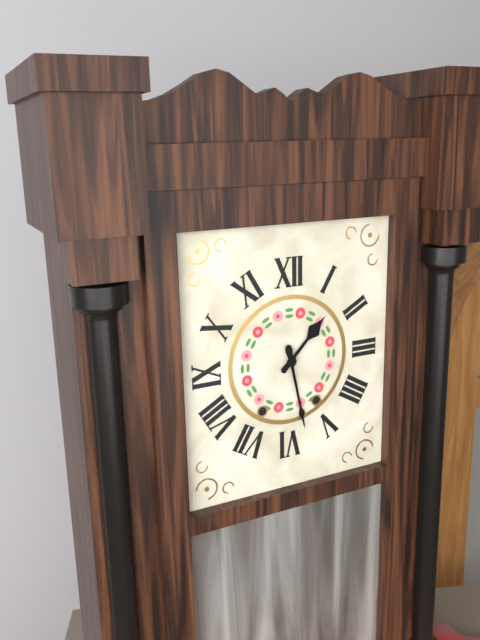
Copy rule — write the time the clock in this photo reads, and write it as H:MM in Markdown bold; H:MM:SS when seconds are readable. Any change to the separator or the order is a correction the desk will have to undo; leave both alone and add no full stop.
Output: **1:28**
